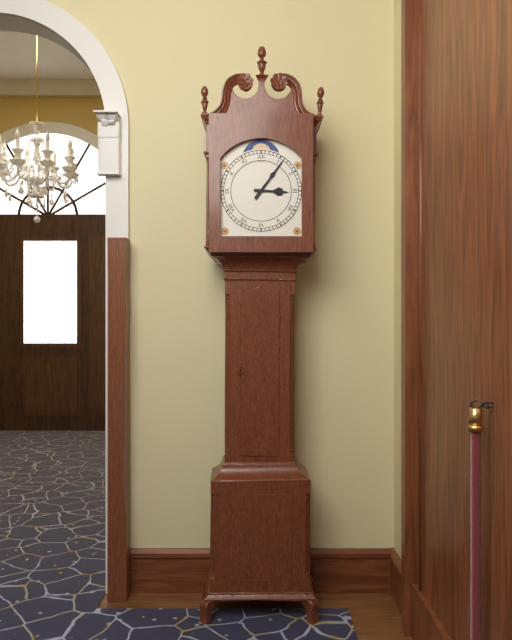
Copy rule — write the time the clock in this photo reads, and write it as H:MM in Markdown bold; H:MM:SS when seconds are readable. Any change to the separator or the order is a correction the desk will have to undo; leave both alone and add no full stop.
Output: **3:06**
